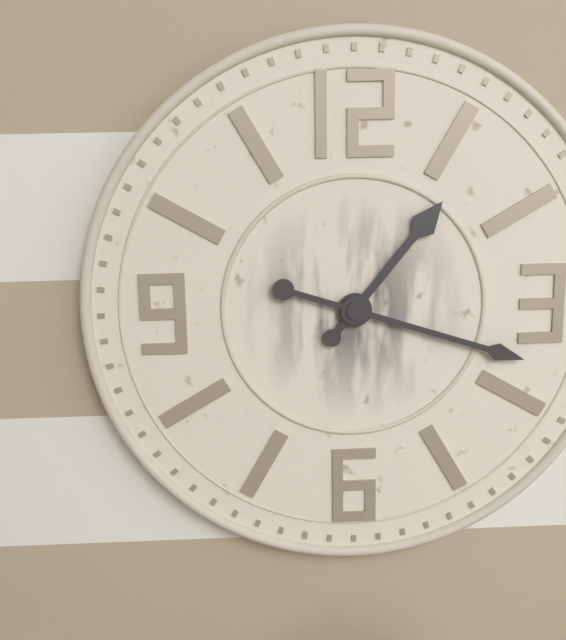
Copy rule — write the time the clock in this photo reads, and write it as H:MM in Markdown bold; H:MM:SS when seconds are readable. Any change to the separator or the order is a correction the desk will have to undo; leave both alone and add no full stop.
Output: **1:18**
